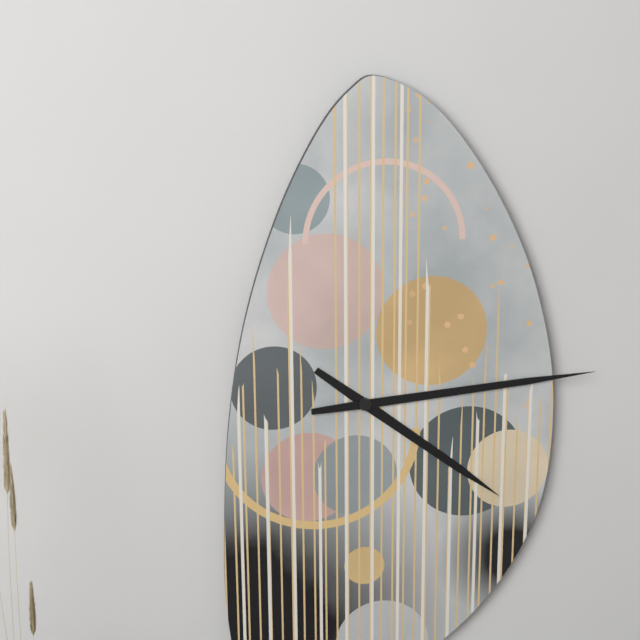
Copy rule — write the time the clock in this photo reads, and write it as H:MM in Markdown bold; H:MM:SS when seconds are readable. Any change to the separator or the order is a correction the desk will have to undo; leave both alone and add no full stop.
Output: **4:14**
